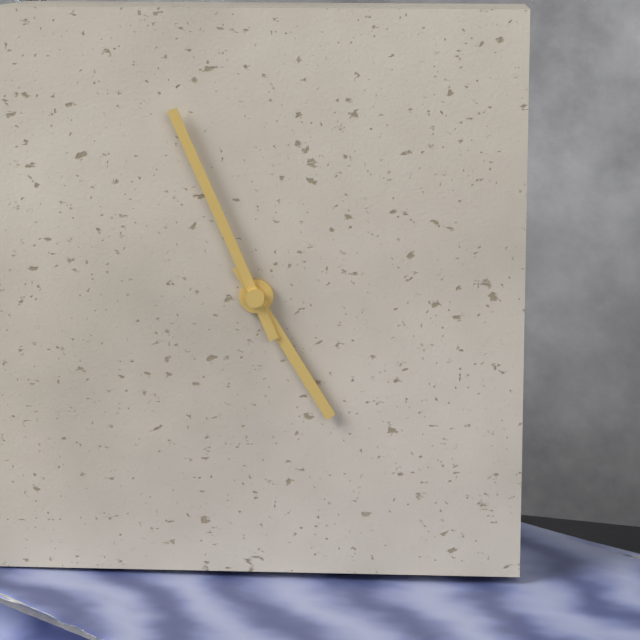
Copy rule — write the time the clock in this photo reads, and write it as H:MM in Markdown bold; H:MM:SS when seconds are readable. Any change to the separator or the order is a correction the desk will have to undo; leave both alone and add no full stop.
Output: **4:56**
